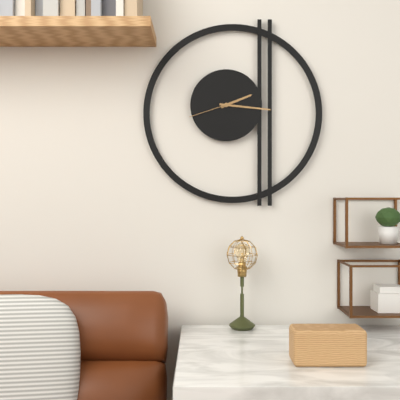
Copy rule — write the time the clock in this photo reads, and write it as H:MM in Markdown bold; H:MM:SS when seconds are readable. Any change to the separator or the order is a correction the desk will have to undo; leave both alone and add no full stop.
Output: **2:16**
